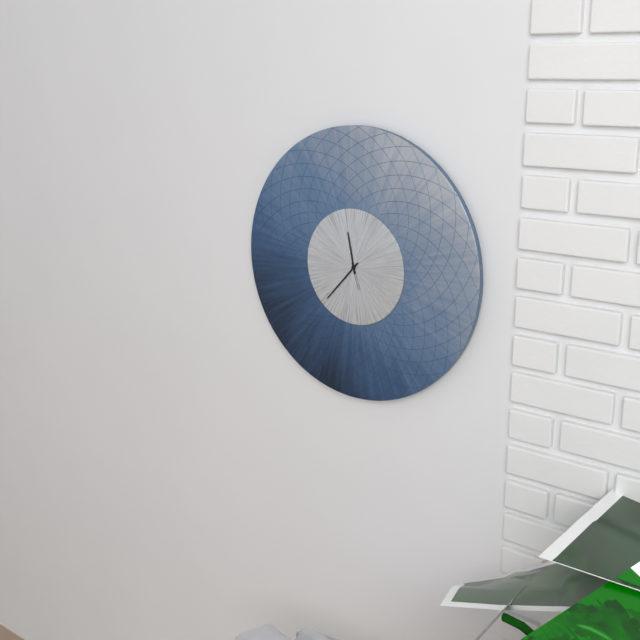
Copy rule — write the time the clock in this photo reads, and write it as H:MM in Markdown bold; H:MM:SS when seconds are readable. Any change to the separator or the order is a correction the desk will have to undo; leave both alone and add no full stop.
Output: **11:37**
